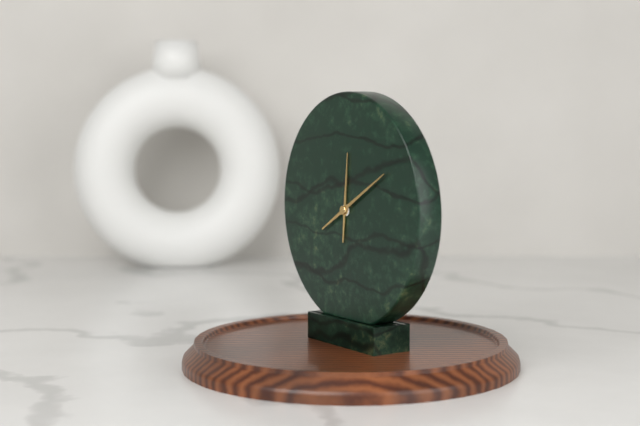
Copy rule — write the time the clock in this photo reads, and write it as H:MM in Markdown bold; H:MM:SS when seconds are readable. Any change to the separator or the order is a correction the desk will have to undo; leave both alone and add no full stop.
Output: **12:10**
